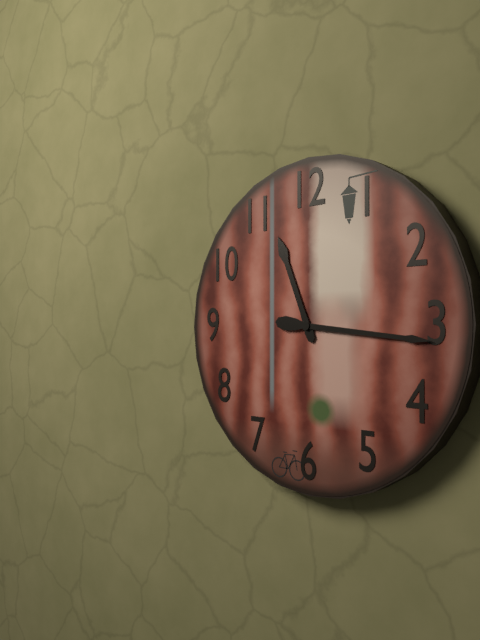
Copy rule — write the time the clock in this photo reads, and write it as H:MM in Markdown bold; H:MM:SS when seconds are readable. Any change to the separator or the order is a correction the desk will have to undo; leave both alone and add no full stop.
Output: **11:16**
